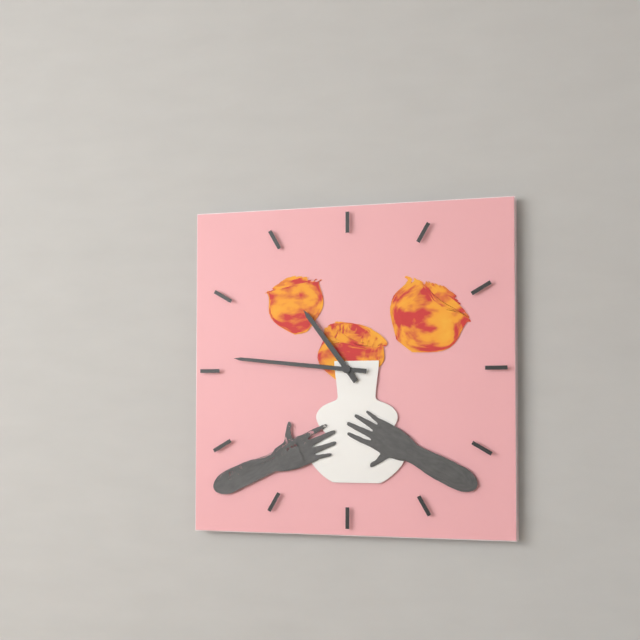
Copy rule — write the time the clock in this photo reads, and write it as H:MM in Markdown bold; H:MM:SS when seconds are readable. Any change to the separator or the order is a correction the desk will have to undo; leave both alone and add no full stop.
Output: **10:46**
